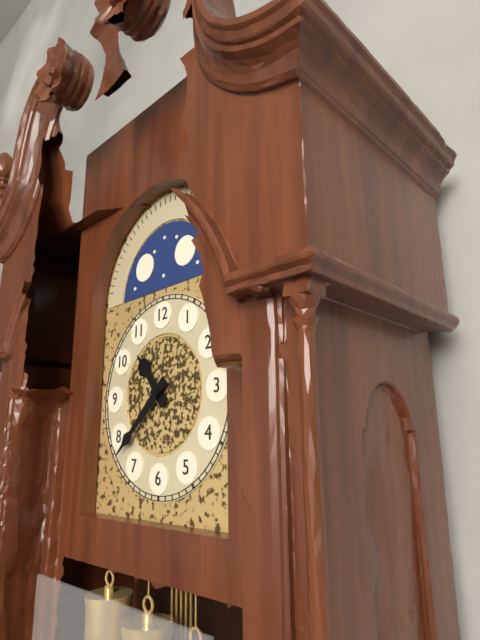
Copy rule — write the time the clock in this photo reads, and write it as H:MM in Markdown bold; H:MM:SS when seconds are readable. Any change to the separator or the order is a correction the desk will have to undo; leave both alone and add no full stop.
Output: **10:38**
